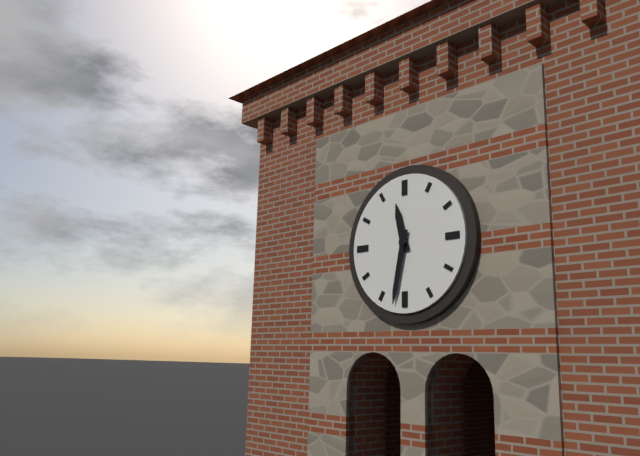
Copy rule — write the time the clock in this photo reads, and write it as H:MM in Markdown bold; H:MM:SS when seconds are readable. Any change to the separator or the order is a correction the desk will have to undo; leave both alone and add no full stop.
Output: **11:32**
